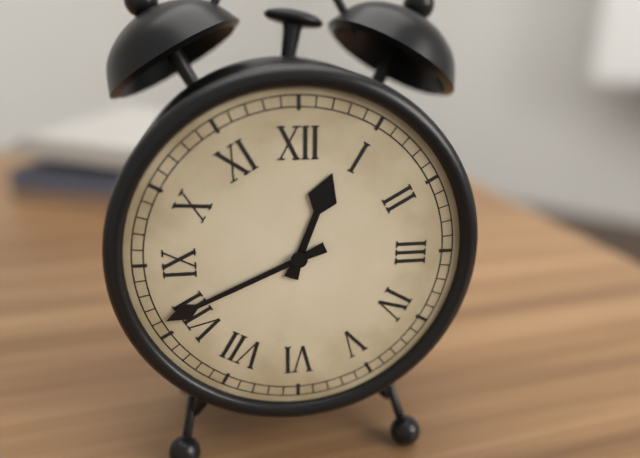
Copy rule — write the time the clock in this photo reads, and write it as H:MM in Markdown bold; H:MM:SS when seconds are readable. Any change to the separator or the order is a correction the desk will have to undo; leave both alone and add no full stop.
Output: **12:41**
